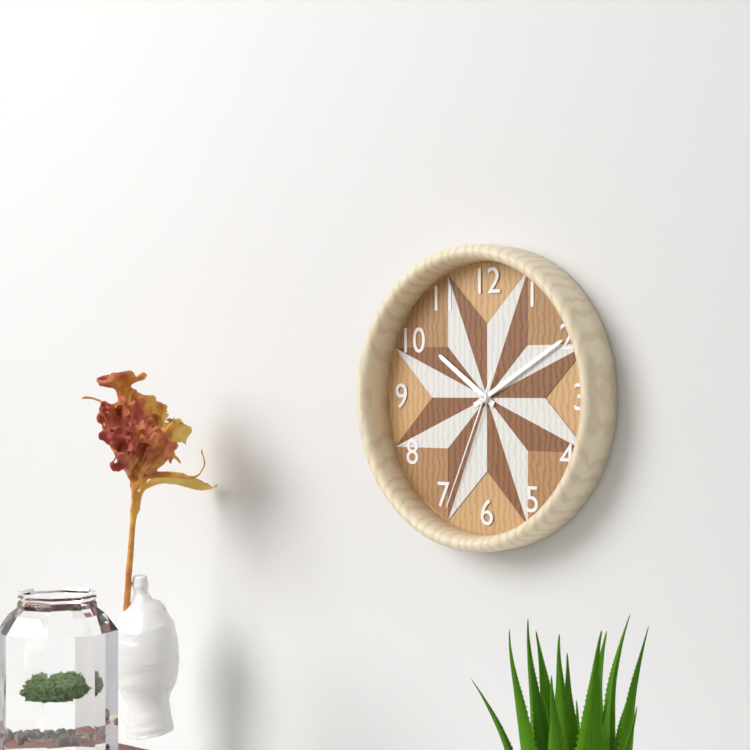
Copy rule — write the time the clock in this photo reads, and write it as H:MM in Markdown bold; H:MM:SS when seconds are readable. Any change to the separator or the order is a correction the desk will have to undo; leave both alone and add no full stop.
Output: **10:10:34**
